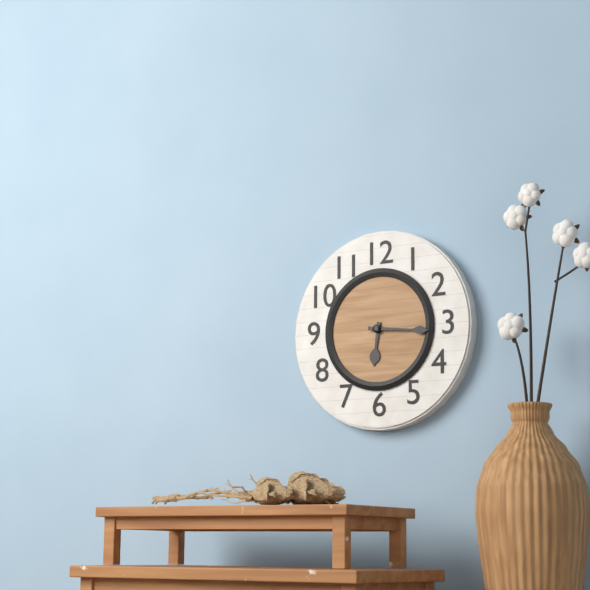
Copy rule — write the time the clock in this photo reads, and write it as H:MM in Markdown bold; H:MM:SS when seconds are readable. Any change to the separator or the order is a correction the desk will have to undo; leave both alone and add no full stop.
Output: **6:16**
